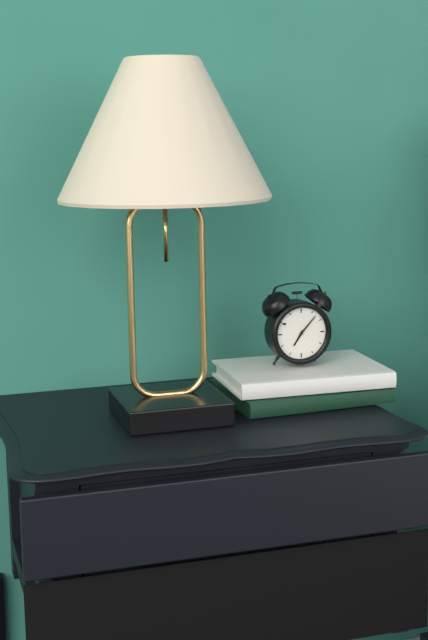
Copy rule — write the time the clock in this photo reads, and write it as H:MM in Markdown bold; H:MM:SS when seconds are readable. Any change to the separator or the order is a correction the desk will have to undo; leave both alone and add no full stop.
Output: **7:07**
